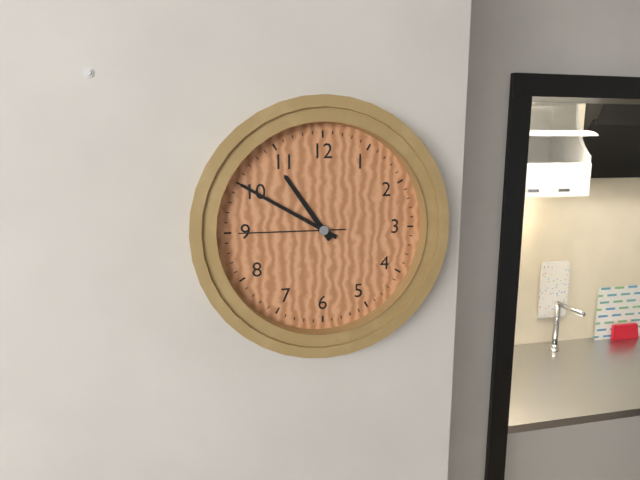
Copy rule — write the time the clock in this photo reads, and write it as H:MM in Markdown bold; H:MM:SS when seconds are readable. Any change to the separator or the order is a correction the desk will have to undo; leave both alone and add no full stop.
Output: **10:50:45**
